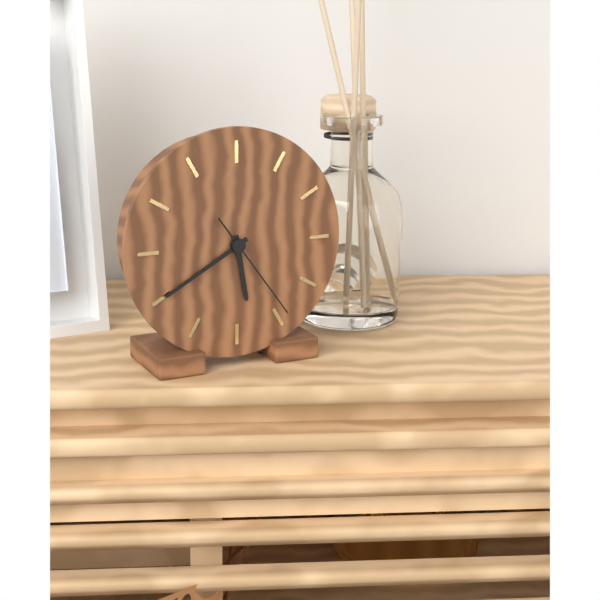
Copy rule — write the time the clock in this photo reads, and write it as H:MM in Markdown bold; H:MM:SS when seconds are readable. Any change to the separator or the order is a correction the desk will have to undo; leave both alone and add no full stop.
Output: **5:40:24**
